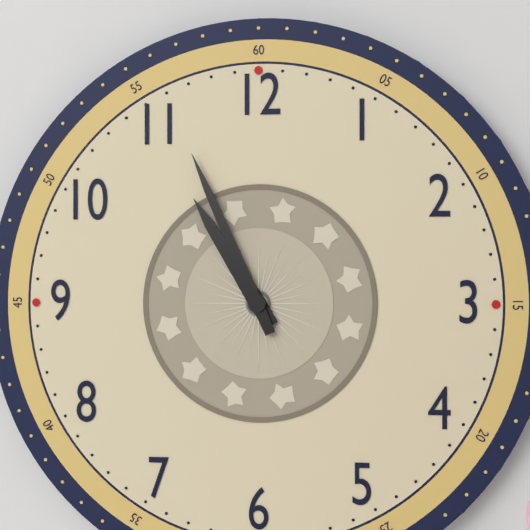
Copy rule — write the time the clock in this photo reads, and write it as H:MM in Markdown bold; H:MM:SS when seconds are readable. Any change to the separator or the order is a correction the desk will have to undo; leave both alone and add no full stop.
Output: **10:56**
